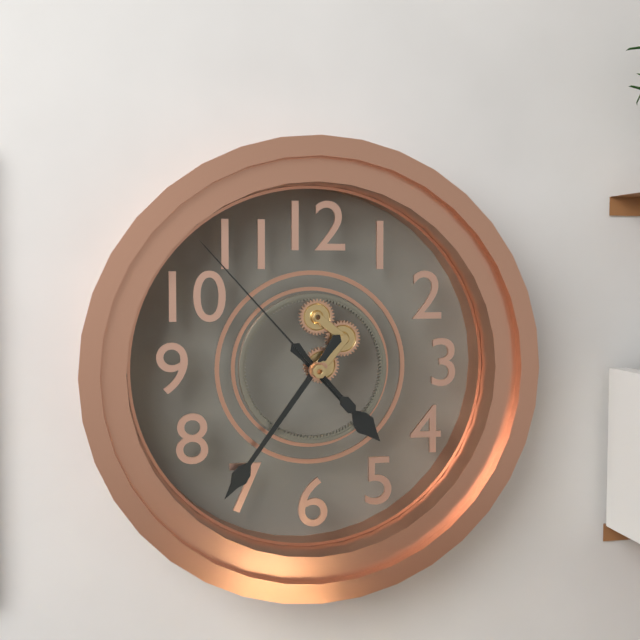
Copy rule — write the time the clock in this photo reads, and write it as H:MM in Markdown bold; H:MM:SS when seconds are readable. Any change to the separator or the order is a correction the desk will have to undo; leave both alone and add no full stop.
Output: **4:36:53**
